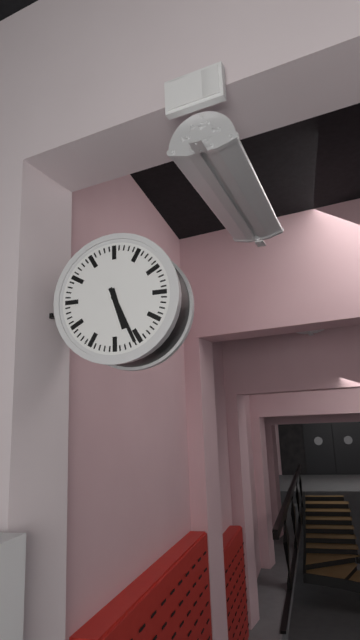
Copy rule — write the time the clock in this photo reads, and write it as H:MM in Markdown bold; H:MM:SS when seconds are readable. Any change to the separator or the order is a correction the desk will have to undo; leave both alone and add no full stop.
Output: **5:26**
